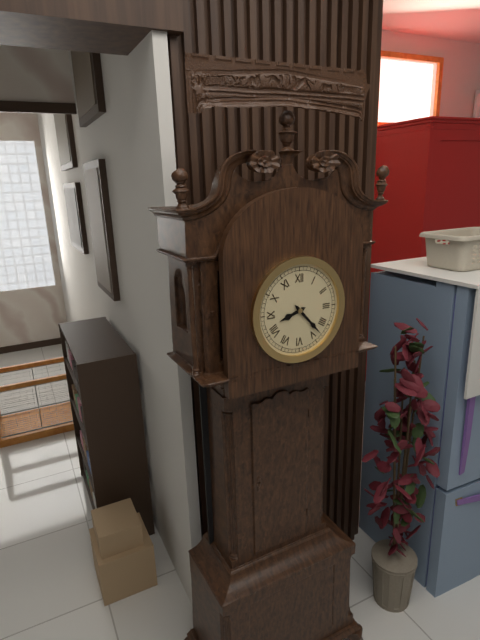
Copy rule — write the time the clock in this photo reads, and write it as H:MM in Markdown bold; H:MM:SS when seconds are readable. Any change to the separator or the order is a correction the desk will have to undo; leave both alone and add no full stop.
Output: **8:23**
